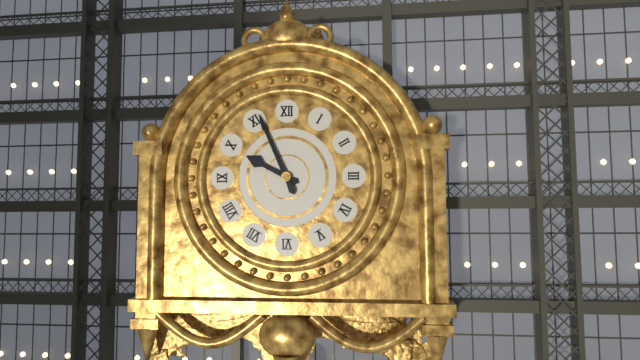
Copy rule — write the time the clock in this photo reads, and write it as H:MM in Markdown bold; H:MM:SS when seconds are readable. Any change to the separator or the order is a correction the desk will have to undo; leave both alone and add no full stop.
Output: **9:56**
